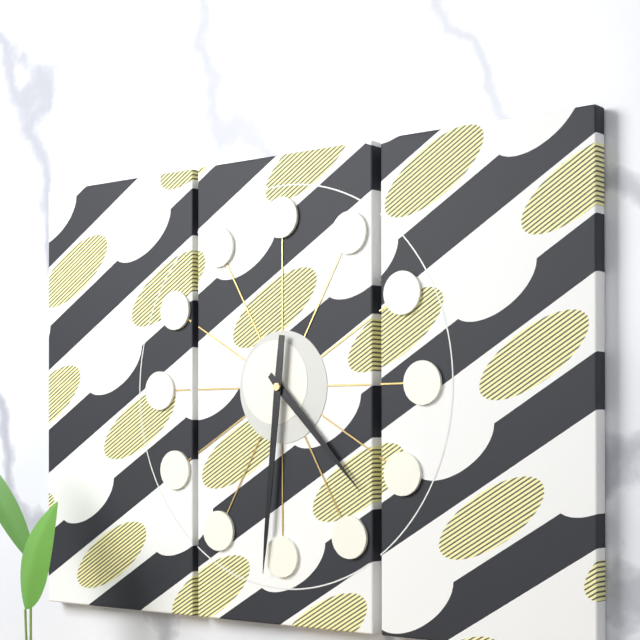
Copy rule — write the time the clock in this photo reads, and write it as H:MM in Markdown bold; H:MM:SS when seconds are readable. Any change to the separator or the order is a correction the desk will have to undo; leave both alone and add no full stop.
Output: **4:31**
